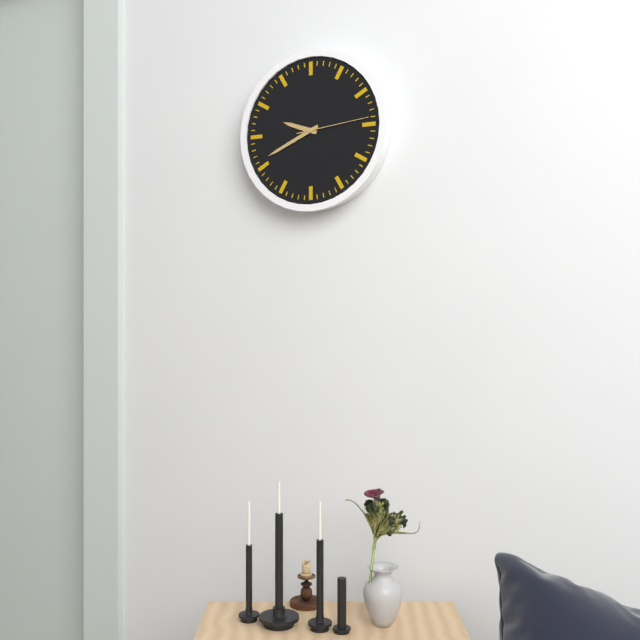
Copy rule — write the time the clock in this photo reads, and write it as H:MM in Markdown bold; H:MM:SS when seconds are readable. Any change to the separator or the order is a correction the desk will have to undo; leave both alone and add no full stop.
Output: **9:41:14**
